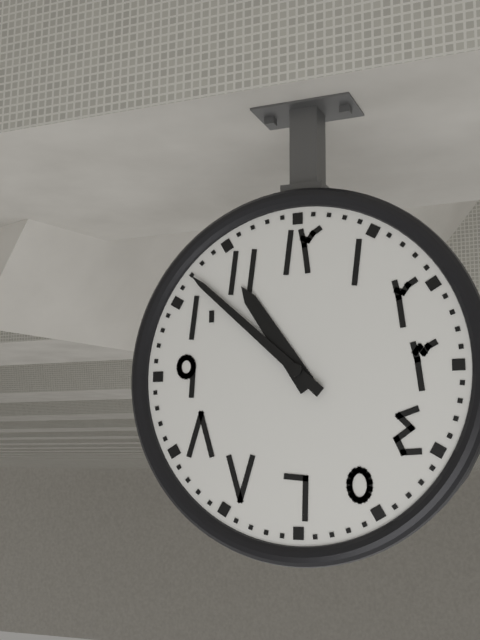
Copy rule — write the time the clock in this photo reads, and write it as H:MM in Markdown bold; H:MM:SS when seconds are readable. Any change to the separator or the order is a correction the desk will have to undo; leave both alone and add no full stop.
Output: **10:52**
